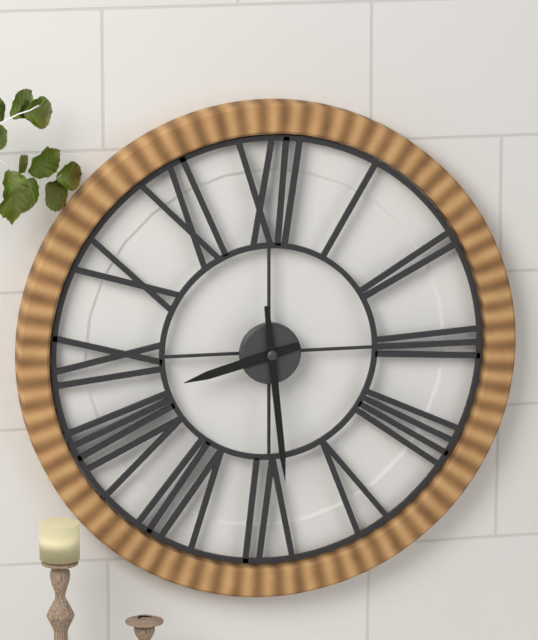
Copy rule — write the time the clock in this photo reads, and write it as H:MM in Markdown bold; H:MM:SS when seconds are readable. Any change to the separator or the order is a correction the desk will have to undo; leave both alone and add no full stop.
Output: **8:29**
